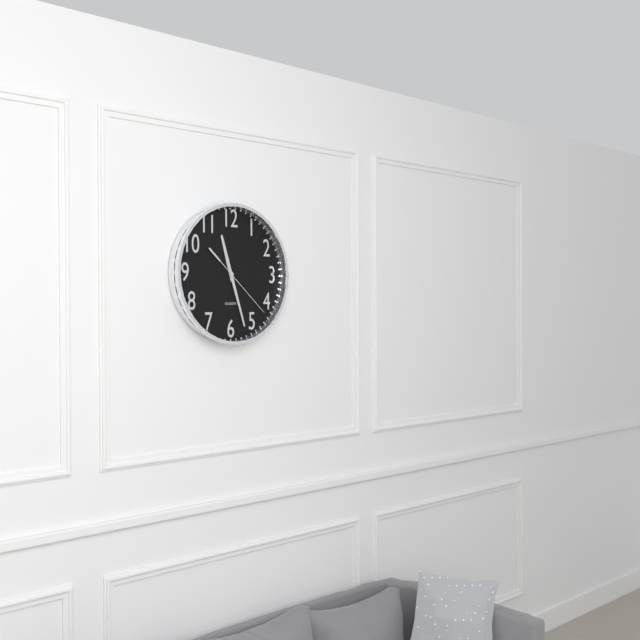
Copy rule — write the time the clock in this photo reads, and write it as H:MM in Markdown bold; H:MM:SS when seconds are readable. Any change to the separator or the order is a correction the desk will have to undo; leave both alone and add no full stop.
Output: **11:27:22**
